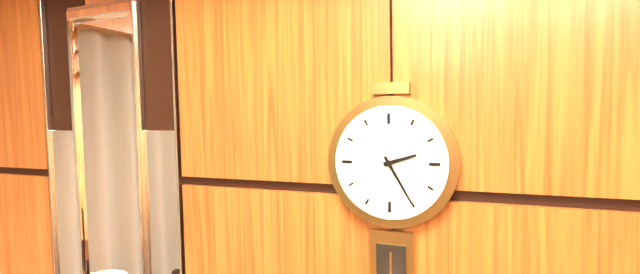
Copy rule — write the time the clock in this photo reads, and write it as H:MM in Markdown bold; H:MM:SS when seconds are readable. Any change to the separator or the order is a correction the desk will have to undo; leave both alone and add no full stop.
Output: **2:25**
